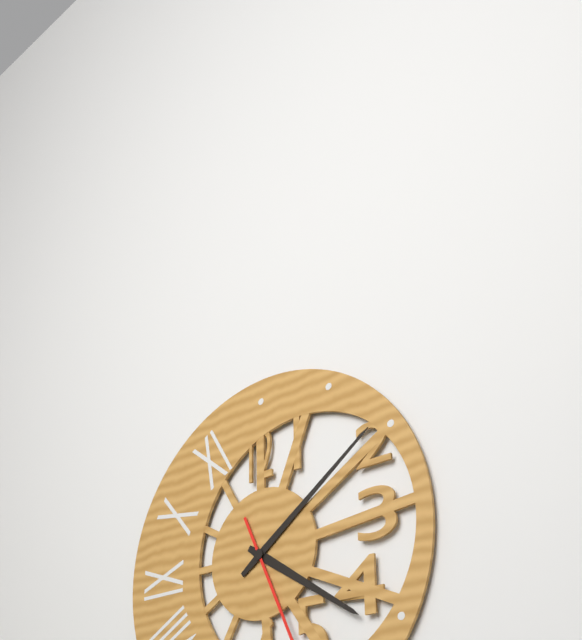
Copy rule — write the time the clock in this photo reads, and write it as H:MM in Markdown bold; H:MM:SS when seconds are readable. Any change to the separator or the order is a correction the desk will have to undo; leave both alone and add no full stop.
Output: **4:09**
